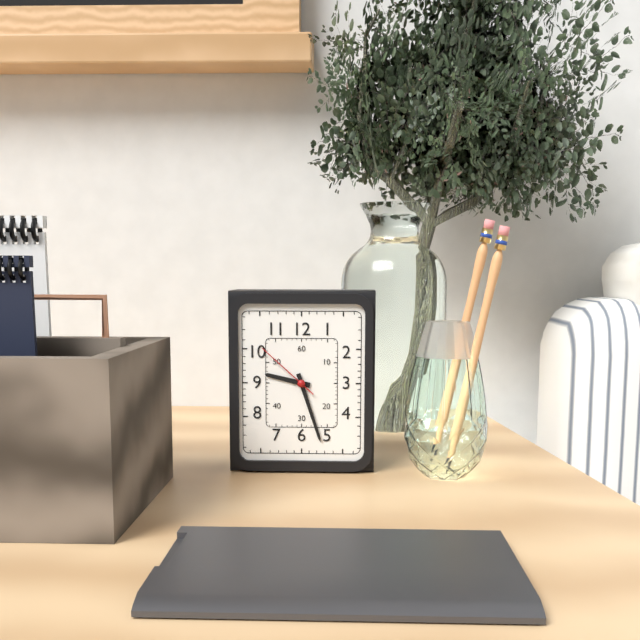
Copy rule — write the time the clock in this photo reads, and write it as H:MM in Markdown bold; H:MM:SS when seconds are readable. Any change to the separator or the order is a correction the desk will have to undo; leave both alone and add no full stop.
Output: **9:27:52**
